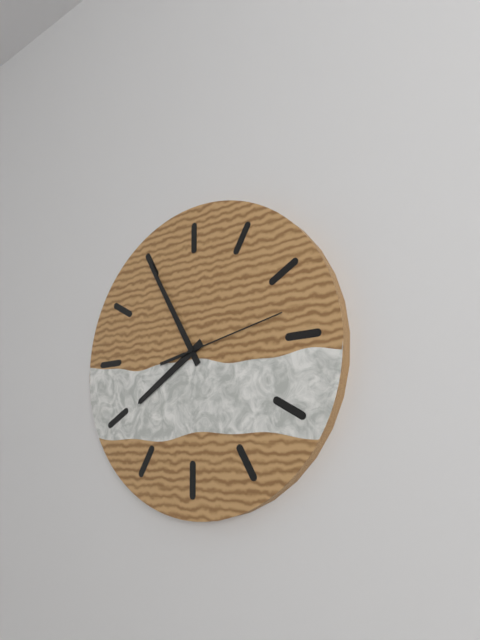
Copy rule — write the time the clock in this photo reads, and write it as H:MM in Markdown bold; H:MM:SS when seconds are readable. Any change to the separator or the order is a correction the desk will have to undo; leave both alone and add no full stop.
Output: **7:55:13**
